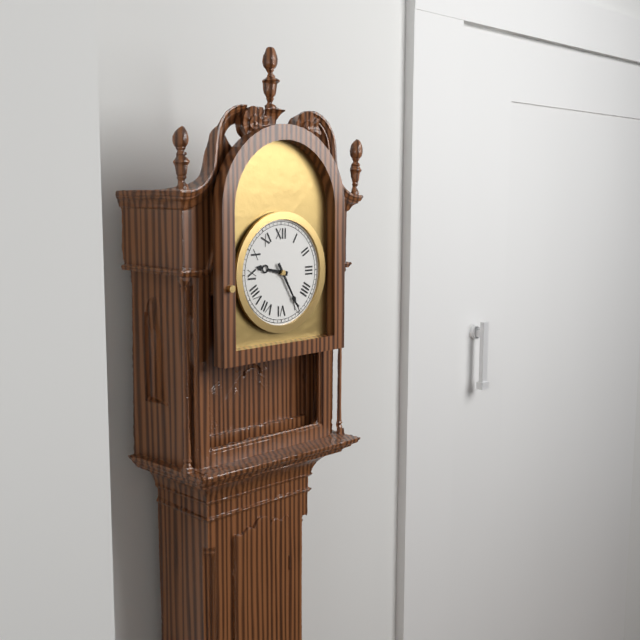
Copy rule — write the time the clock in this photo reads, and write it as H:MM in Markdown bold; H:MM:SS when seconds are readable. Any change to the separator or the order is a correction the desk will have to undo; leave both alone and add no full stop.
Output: **9:25**
